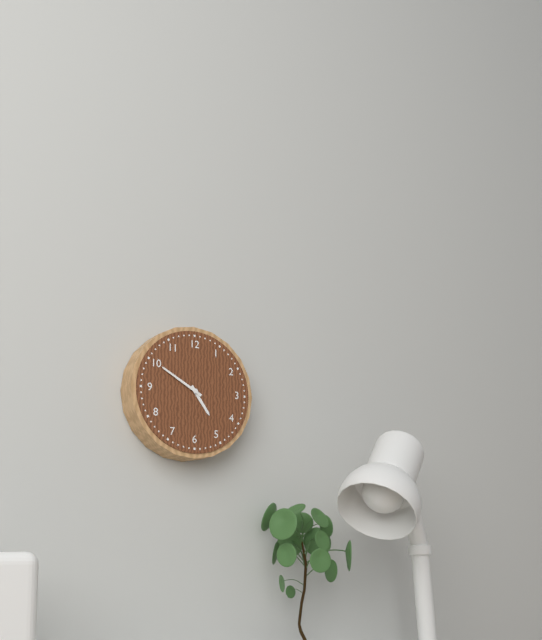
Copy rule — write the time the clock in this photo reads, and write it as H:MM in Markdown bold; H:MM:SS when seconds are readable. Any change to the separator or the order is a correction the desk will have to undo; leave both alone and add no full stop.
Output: **4:50**
